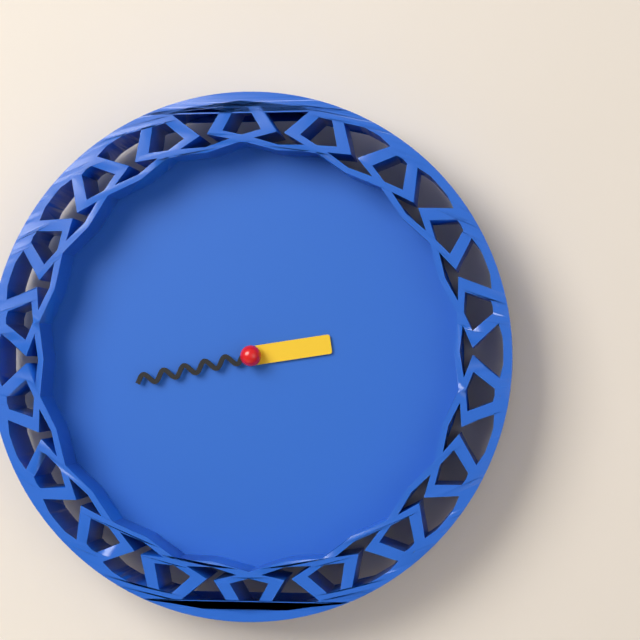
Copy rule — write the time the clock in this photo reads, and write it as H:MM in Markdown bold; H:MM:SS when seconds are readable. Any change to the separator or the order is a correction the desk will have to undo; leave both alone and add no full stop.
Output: **2:43**
